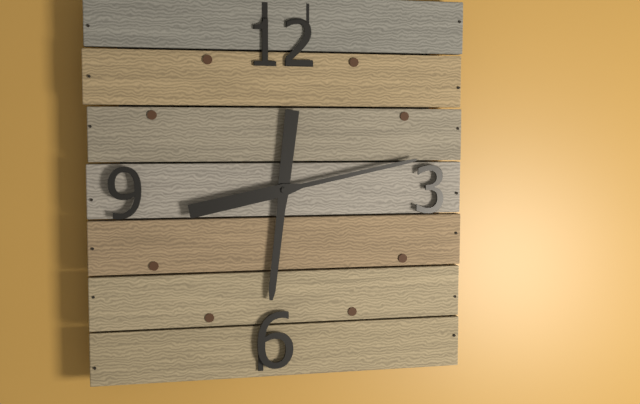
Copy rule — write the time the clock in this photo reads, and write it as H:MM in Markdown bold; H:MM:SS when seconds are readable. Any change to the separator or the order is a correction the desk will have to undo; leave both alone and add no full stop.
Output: **6:13**
